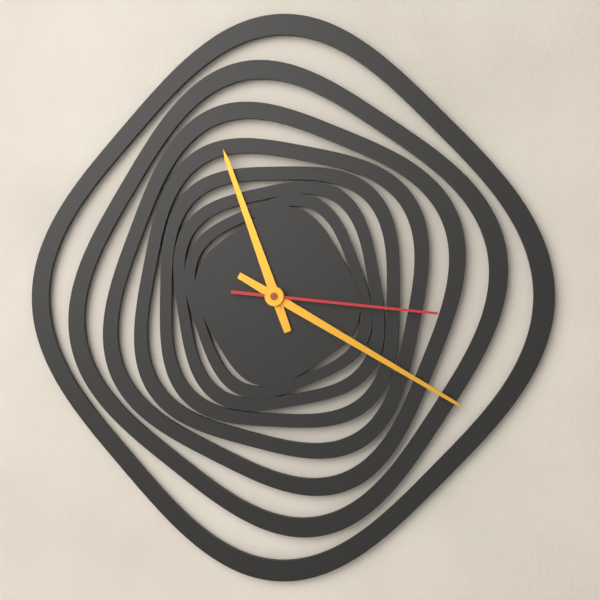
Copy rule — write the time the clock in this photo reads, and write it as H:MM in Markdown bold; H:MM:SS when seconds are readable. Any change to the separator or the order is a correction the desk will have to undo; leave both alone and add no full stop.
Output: **11:20:16**
